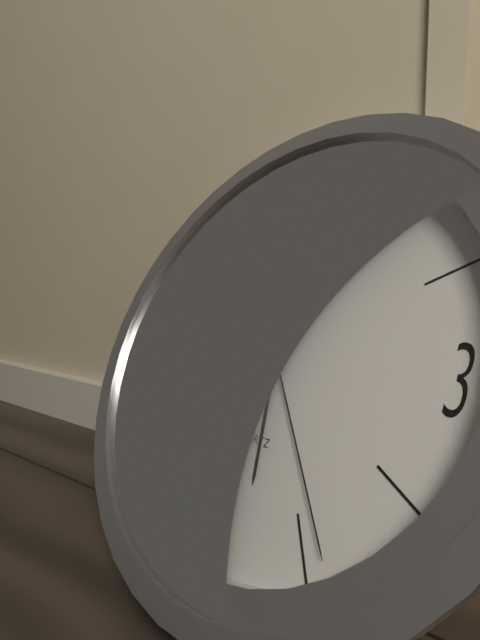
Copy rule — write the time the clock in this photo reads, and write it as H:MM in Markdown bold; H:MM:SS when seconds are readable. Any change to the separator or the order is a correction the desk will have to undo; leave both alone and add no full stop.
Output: **5:39:24**
